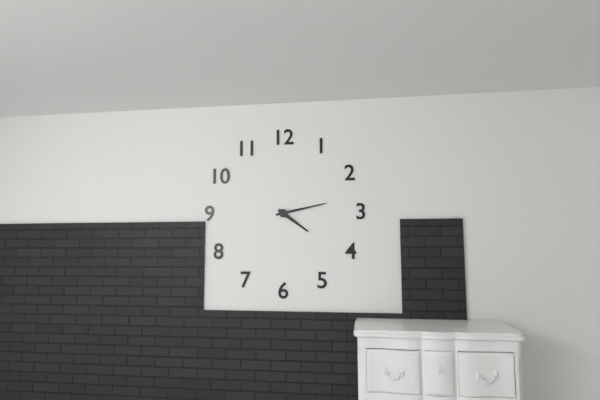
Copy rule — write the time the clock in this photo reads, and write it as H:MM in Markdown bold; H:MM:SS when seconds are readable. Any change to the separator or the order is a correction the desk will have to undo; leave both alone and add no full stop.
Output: **4:13**
